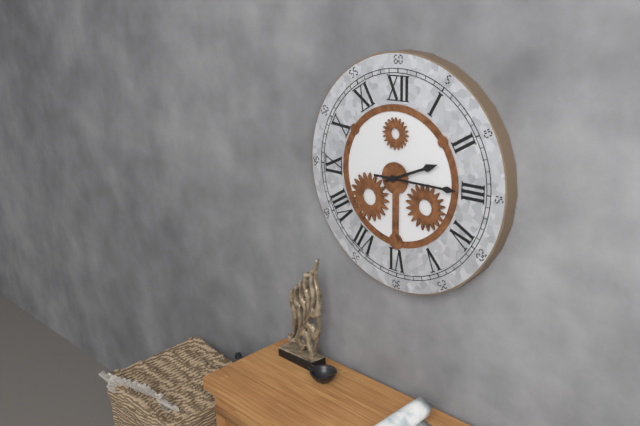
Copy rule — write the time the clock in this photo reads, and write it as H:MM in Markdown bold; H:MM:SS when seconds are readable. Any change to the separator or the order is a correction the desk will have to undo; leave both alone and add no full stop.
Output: **2:15**
